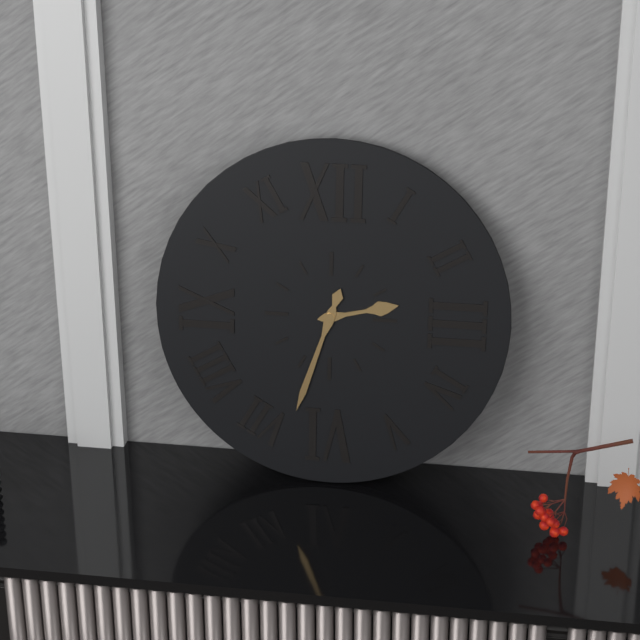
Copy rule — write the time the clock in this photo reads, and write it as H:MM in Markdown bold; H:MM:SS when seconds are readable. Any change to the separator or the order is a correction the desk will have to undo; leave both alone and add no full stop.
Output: **2:33**
